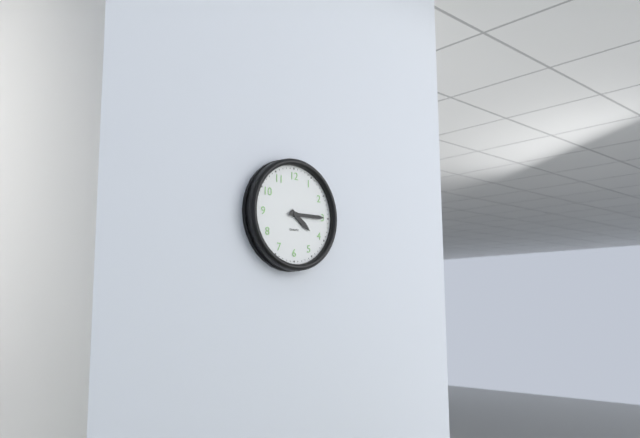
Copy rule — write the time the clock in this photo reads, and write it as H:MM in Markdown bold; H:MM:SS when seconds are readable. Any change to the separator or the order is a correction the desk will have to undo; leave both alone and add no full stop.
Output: **4:15**
